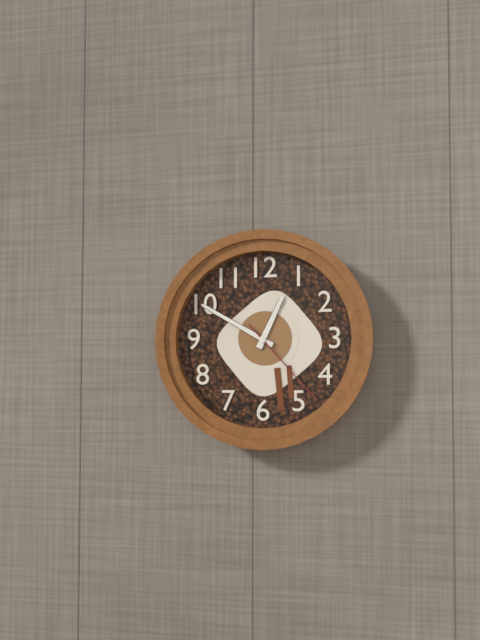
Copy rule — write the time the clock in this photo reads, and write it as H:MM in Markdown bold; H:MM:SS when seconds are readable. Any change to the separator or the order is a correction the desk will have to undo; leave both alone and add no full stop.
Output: **12:50:23**
